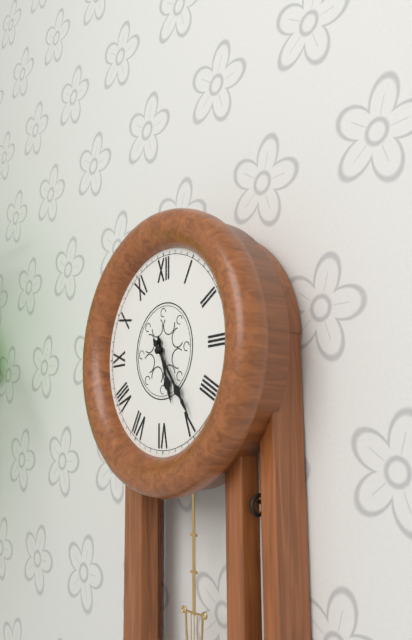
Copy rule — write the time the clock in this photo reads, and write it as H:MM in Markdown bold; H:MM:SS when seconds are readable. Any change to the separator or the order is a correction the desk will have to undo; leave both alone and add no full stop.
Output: **5:24**
